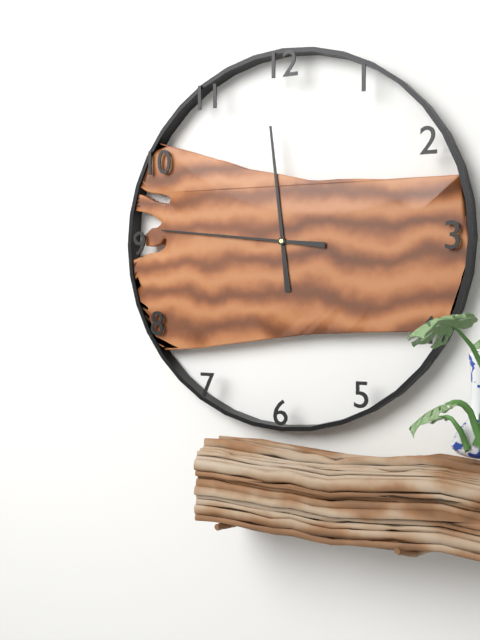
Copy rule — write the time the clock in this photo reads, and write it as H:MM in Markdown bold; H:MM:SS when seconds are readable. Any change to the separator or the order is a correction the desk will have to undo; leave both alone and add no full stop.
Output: **11:46**
